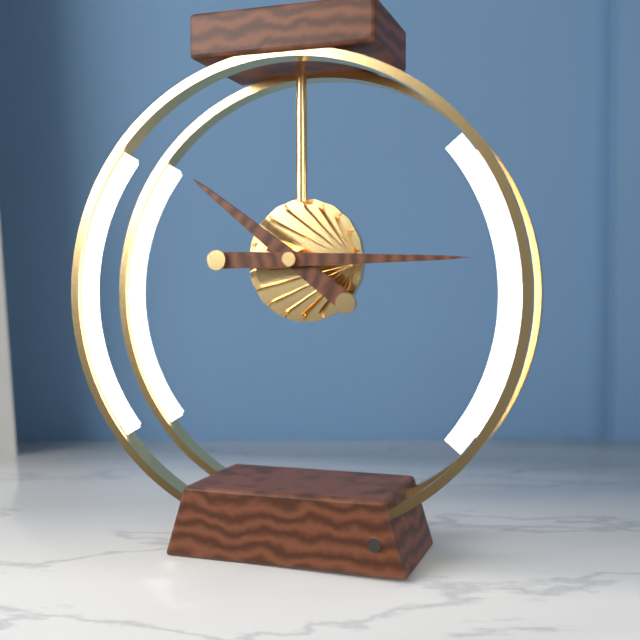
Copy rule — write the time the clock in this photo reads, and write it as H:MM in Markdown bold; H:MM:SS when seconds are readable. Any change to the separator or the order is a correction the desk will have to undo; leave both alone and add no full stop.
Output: **10:15**
